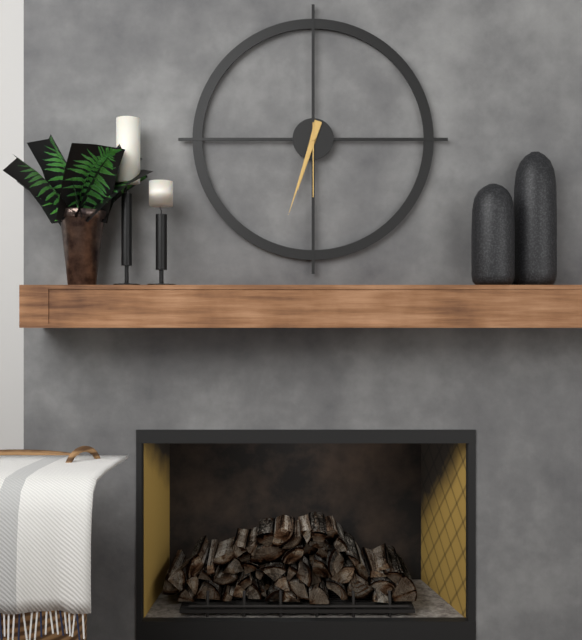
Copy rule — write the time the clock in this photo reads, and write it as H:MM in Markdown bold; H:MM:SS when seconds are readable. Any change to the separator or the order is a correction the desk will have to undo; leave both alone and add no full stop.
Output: **6:33:30**
